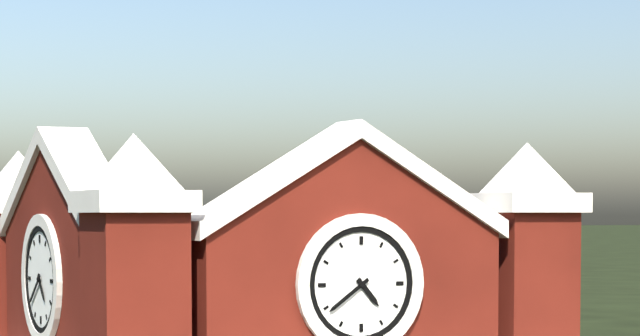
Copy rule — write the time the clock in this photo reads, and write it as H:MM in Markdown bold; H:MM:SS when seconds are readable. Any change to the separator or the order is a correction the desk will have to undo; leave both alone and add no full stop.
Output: **4:39**
